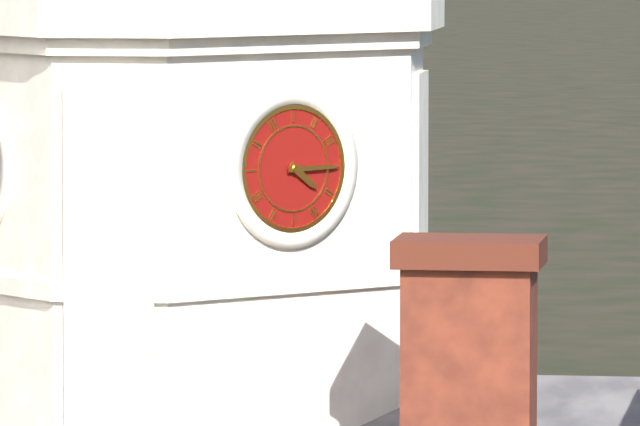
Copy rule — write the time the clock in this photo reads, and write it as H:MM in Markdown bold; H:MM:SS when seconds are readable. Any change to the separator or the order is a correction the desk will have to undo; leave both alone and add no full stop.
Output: **4:15**
